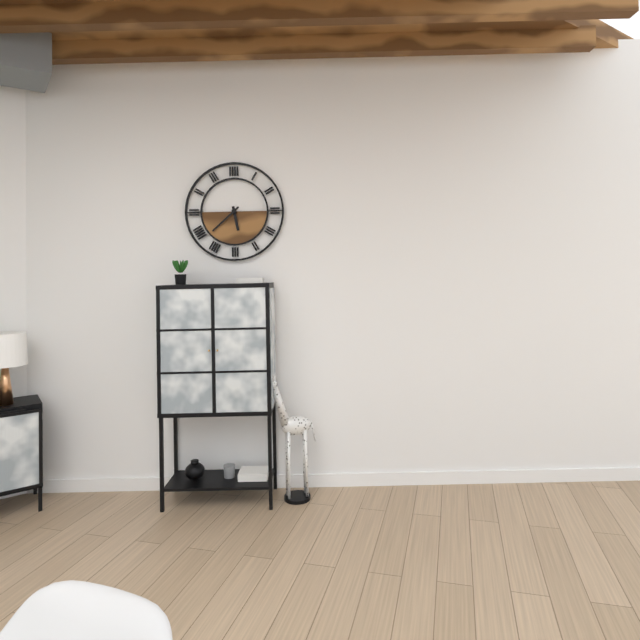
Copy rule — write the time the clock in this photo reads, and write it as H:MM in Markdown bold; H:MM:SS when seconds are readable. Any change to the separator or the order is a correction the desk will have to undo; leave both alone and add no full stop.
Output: **5:38**
